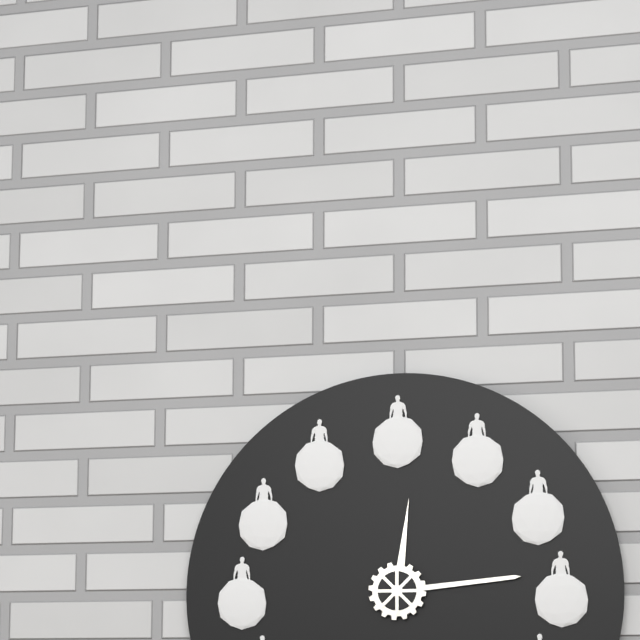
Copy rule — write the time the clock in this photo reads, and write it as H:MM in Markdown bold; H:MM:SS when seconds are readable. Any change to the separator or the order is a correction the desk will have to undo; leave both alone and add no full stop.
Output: **12:14**
